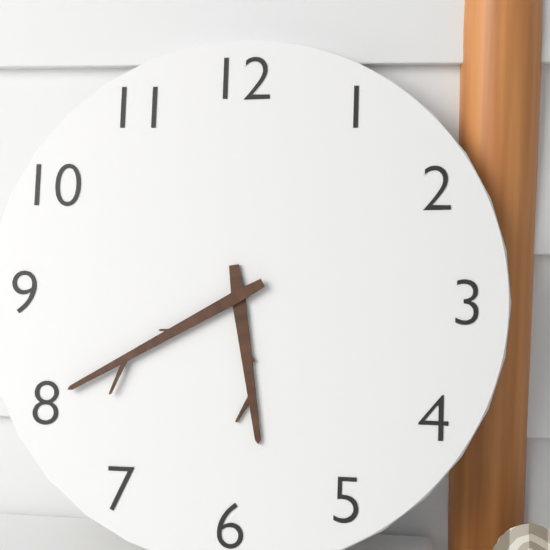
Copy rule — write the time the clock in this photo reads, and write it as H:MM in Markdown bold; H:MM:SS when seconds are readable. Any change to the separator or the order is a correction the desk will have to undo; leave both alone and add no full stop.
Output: **5:40**
